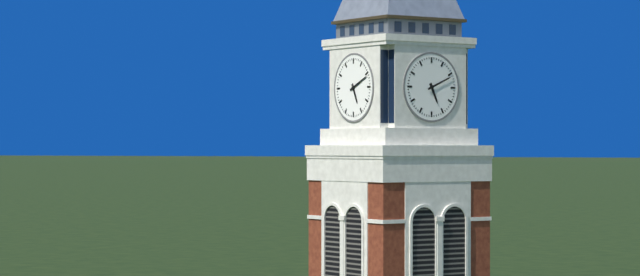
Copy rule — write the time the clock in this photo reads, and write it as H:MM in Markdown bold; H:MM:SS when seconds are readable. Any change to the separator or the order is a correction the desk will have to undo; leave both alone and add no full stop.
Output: **5:11**
